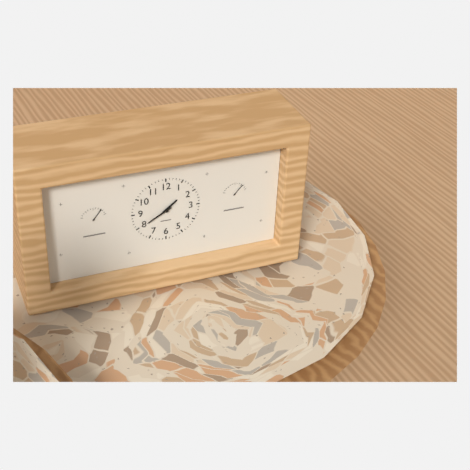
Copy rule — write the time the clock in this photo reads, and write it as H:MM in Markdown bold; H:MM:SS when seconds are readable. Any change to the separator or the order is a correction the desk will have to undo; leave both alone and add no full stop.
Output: **1:40**
